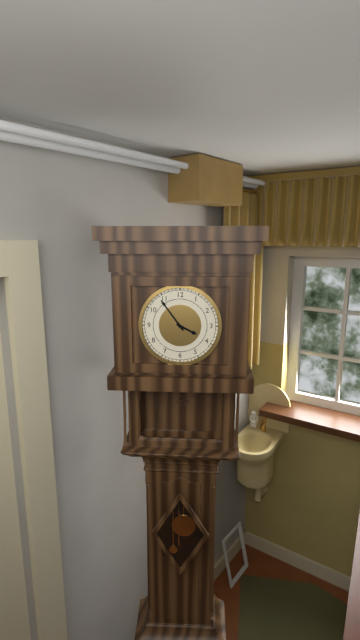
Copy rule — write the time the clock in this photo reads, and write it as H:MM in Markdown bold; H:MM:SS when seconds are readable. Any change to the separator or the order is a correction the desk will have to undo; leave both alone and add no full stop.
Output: **3:54**
